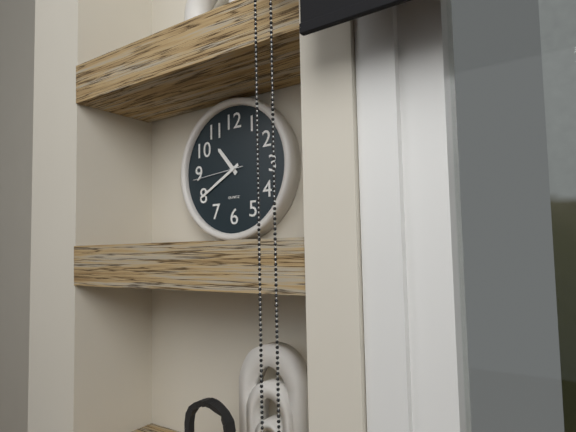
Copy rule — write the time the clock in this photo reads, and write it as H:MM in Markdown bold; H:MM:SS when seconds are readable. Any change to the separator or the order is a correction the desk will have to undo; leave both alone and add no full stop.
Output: **10:40:44**
